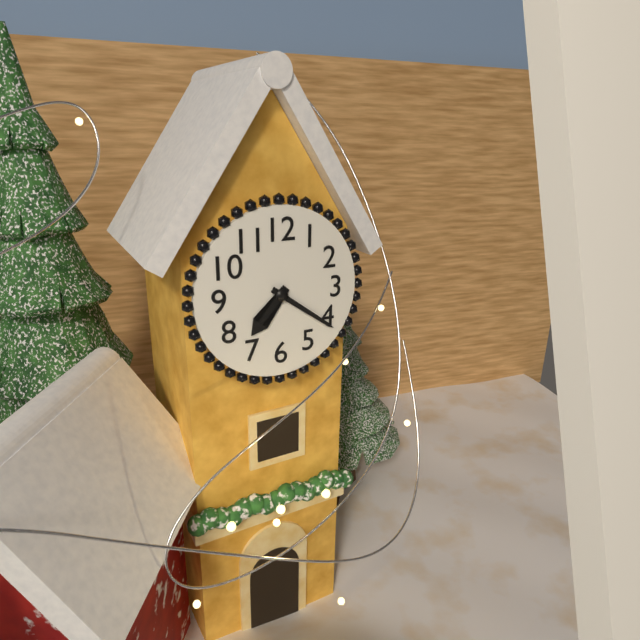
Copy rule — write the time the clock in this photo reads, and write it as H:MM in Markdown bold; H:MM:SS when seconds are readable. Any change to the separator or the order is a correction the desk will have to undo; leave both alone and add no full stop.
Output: **7:21**
